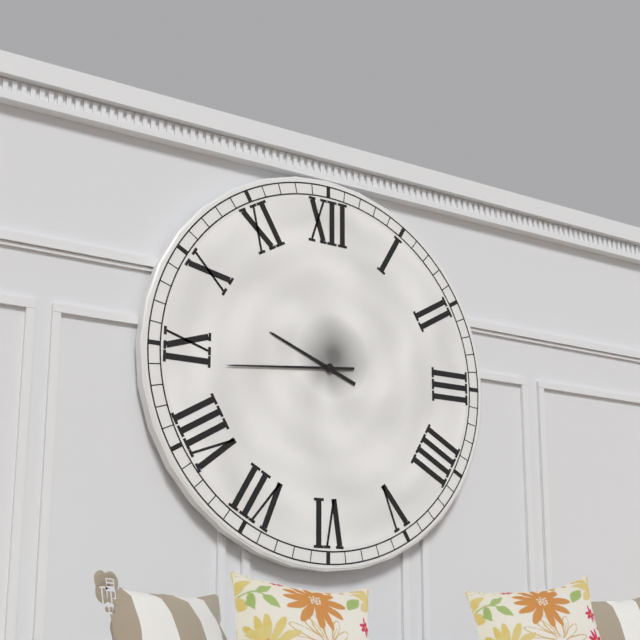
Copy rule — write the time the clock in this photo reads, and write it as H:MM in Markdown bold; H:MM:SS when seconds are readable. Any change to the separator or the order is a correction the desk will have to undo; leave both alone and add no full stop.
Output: **9:44**
